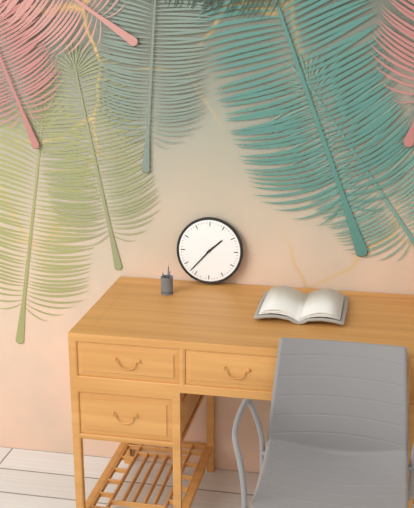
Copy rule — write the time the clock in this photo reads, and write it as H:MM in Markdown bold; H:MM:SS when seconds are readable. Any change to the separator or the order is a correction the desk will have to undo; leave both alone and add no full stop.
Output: **1:37**
